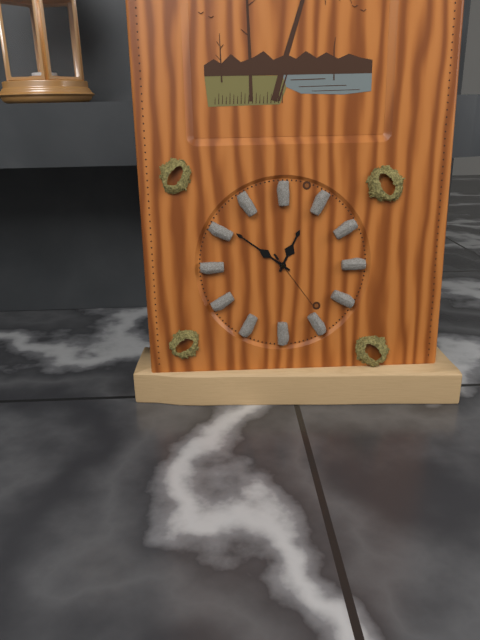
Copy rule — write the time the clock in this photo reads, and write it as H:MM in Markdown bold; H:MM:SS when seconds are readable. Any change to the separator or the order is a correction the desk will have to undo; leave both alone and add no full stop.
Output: **12:51:24**
